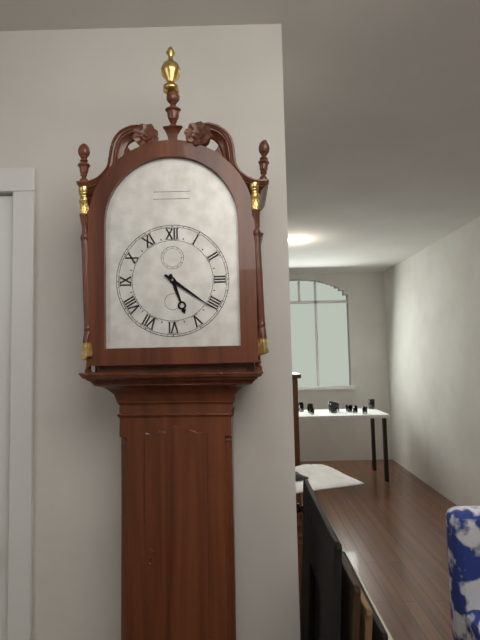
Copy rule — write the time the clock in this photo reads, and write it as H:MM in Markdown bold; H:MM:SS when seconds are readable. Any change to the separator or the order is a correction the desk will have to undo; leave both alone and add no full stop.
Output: **5:21**
